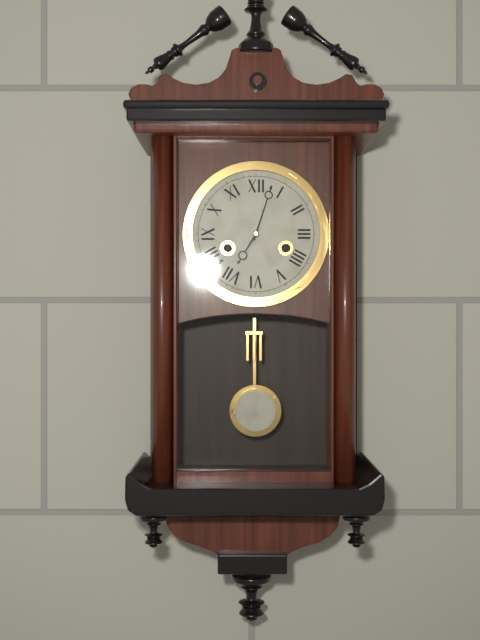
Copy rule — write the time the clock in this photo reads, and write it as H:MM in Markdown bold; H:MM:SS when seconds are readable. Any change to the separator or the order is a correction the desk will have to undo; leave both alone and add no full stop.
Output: **7:03**
